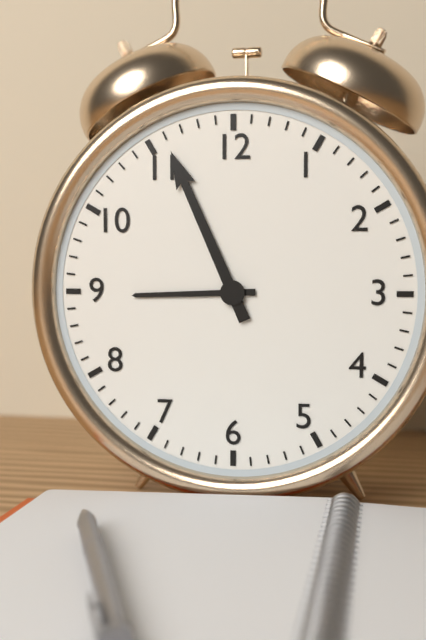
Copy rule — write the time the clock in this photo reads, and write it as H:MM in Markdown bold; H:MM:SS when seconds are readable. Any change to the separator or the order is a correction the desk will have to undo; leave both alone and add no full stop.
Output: **8:56**
